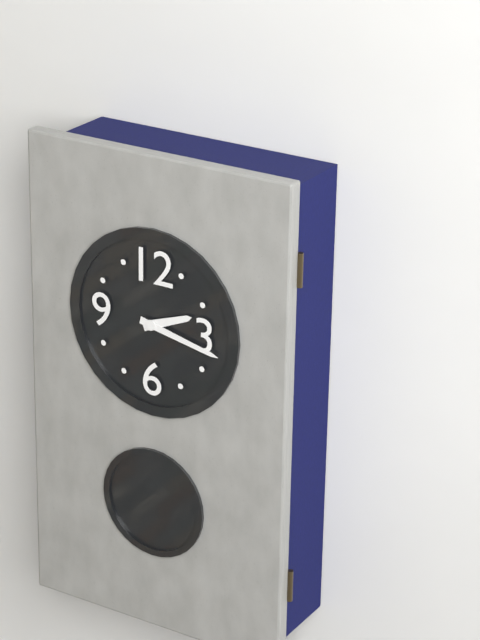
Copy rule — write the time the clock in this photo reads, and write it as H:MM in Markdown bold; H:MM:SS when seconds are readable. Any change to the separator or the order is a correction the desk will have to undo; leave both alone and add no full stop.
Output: **2:17**
